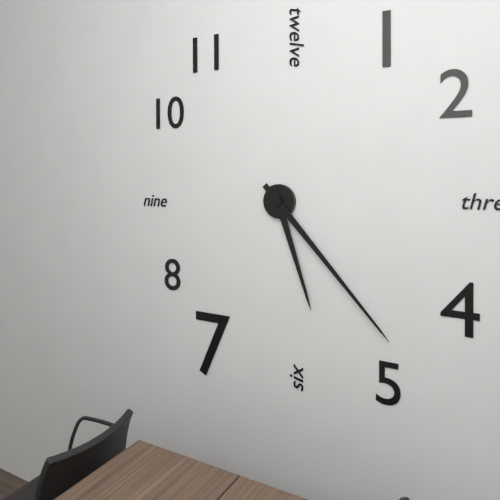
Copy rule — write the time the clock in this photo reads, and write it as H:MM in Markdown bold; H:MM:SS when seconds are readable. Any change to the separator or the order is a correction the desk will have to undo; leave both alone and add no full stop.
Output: **5:23**
